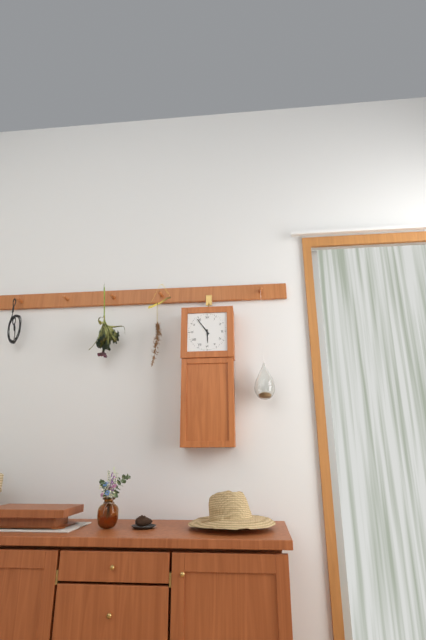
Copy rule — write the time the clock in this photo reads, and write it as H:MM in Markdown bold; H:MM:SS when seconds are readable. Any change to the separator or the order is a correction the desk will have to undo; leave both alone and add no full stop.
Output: **5:54**
